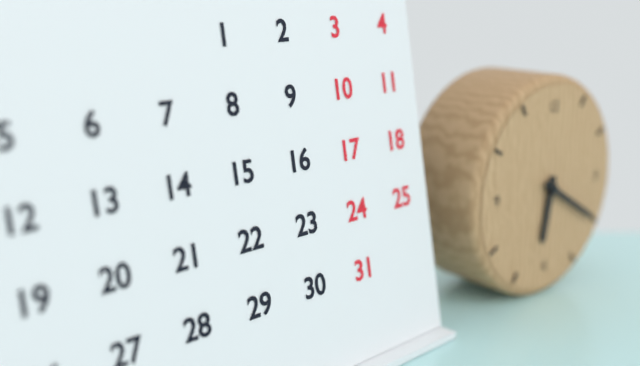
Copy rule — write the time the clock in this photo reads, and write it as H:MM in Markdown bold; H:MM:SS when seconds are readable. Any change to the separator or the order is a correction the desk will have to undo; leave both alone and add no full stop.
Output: **6:20**
